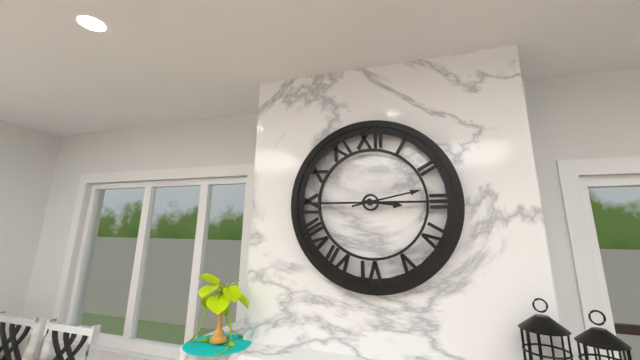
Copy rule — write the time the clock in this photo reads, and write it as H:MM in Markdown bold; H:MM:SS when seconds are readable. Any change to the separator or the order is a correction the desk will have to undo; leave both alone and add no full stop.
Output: **3:13**
